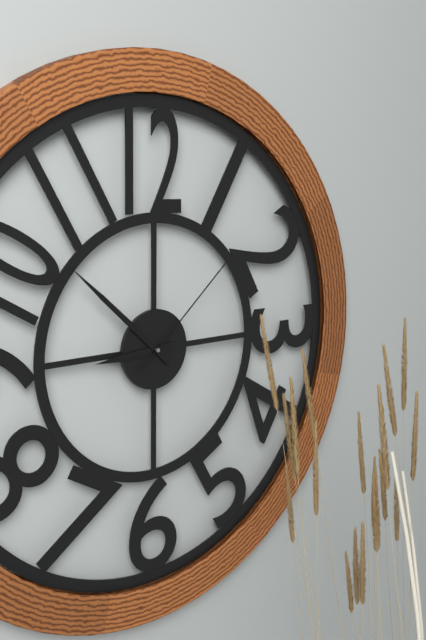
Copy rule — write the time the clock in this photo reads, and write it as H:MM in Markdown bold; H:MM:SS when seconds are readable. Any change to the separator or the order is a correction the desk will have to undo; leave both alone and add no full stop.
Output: **8:52:08**
